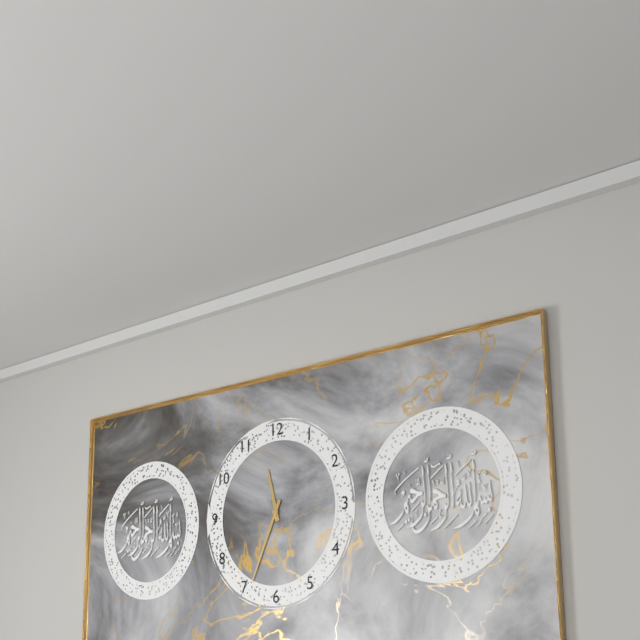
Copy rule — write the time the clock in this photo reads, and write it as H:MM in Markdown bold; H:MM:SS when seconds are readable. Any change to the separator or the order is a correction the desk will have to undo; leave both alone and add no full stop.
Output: **11:34**
